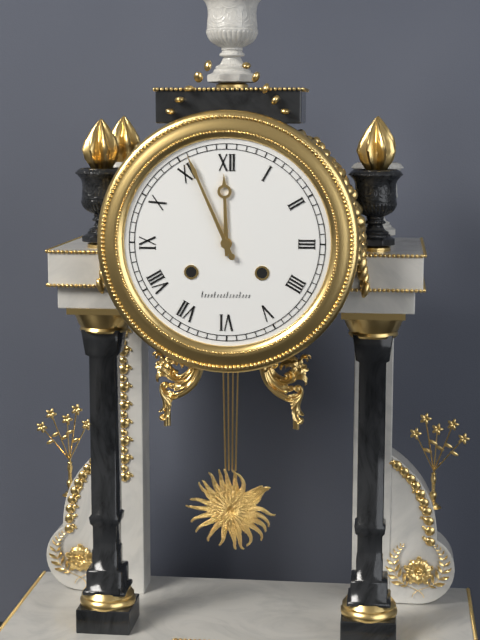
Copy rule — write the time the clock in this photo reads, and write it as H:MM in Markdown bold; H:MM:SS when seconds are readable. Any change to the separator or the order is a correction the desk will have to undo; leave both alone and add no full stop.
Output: **11:56**
